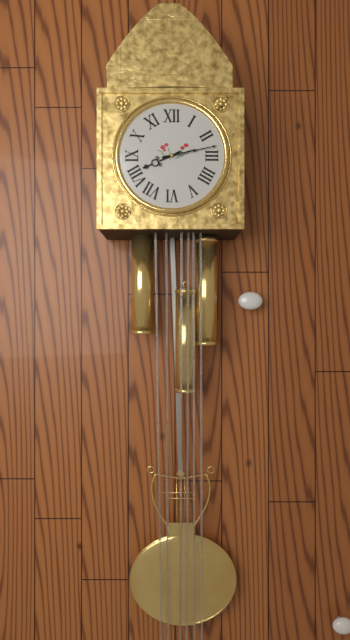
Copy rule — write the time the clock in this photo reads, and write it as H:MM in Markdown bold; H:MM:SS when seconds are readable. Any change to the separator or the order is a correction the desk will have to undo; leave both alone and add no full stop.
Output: **8:13**
